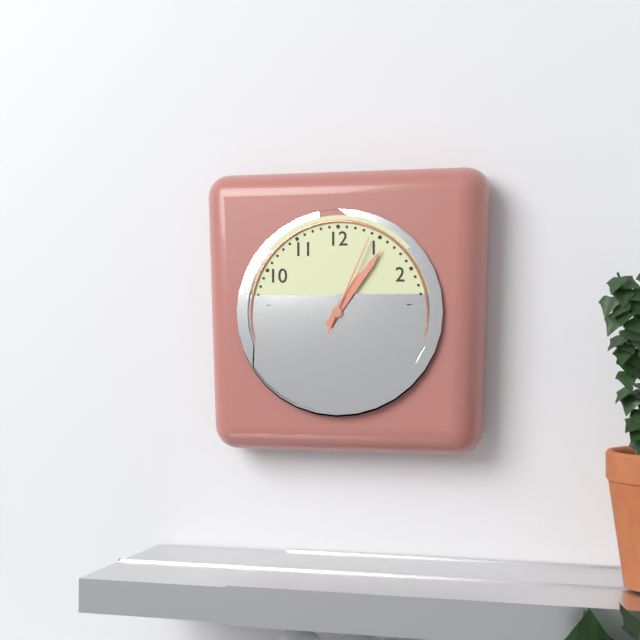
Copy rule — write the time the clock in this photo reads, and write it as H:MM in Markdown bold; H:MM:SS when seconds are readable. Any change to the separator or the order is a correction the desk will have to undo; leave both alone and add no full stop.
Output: **1:06:04**
